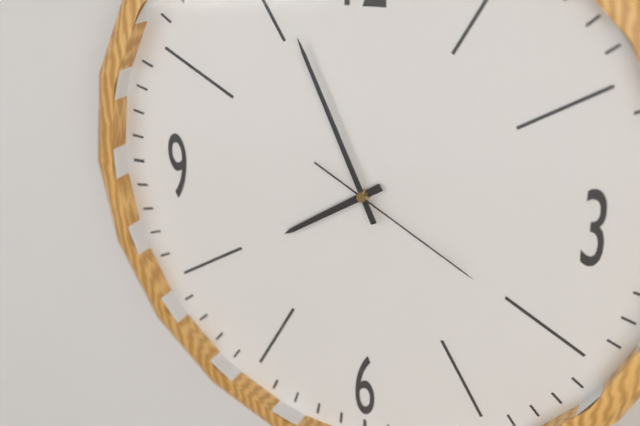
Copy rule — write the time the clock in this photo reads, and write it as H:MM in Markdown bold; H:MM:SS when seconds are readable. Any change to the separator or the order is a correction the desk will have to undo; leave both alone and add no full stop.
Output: **7:56:20**
